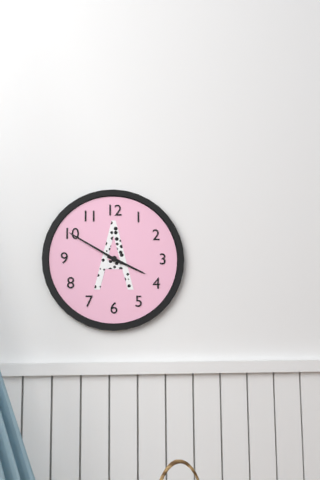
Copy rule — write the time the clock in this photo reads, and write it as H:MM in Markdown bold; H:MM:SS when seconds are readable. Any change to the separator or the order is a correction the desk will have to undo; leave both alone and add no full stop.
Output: **3:50**
